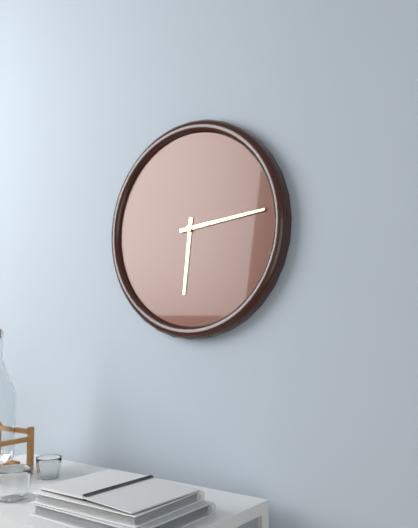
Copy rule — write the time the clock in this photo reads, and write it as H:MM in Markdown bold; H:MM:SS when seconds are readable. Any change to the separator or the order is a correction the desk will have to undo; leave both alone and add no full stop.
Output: **6:14**
